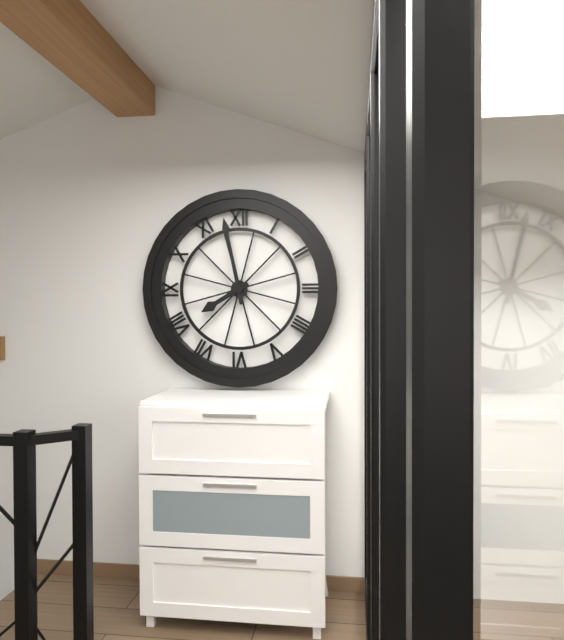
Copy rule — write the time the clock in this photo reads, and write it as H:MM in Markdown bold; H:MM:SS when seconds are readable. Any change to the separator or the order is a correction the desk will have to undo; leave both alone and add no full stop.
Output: **7:58**
